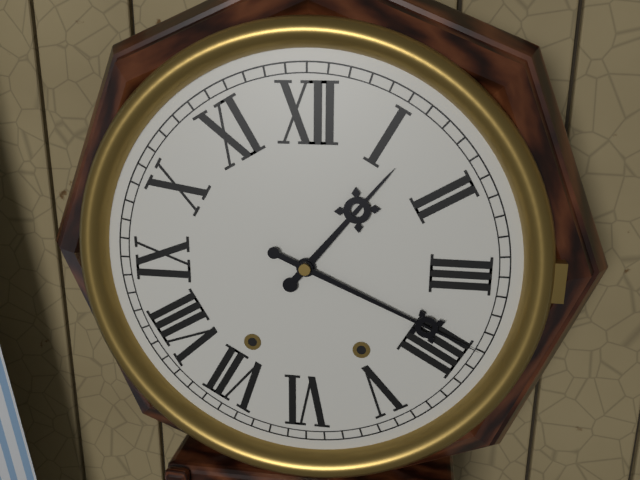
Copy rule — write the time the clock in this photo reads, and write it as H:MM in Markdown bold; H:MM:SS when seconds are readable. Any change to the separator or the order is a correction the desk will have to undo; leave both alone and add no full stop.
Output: **1:19**
